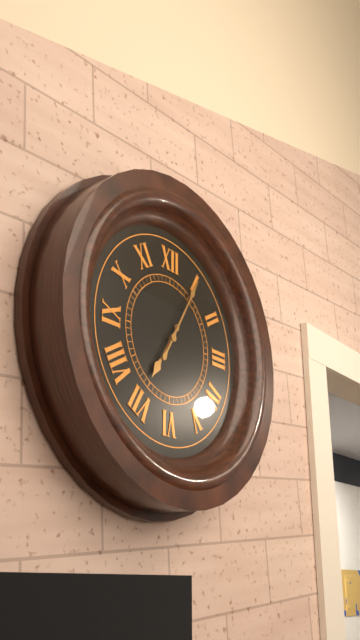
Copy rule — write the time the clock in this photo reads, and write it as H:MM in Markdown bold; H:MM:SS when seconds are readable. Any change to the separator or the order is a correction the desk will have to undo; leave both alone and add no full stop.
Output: **7:05**
